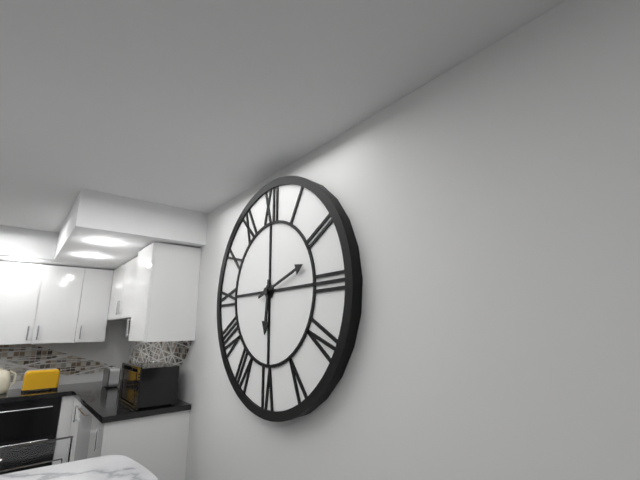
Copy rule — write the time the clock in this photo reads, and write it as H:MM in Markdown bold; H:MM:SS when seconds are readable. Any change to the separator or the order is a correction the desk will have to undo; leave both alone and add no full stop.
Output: **6:12**
